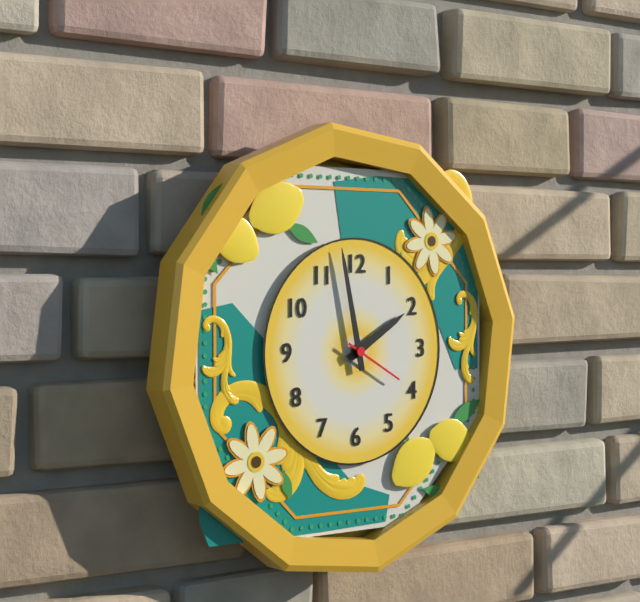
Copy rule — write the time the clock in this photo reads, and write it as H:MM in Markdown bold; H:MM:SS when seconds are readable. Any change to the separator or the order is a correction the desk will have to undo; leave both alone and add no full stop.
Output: **1:58:20**
